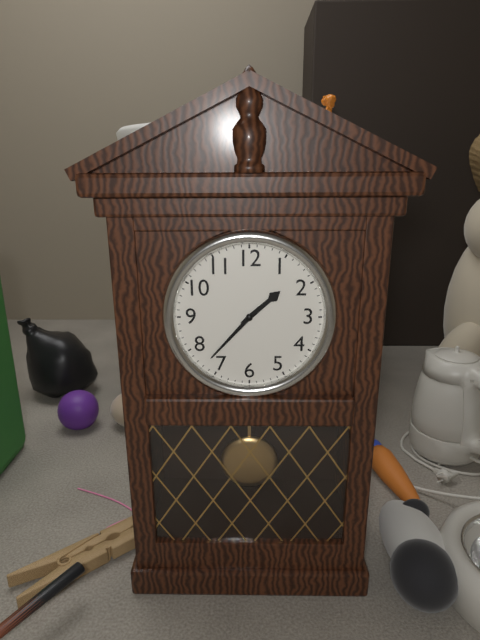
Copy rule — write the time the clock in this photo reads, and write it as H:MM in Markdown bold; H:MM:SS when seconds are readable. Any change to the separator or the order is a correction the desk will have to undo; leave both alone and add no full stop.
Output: **1:37**
